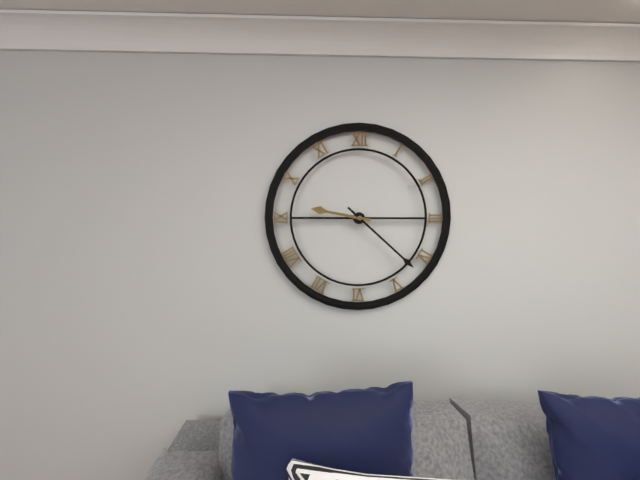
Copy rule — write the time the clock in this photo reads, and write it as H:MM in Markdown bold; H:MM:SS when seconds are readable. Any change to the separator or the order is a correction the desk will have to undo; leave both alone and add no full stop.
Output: **9:22**
